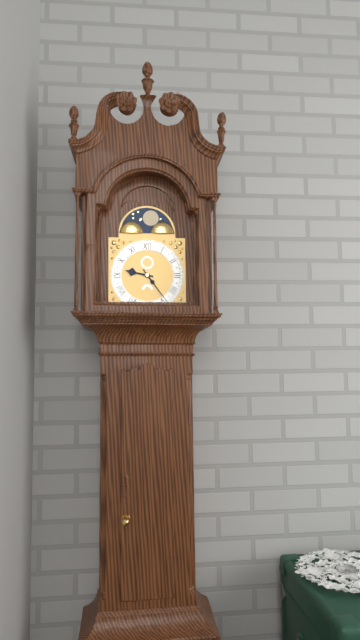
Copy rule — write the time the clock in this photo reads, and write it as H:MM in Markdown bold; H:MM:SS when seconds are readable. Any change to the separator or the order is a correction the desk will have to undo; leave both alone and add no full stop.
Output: **9:24**
